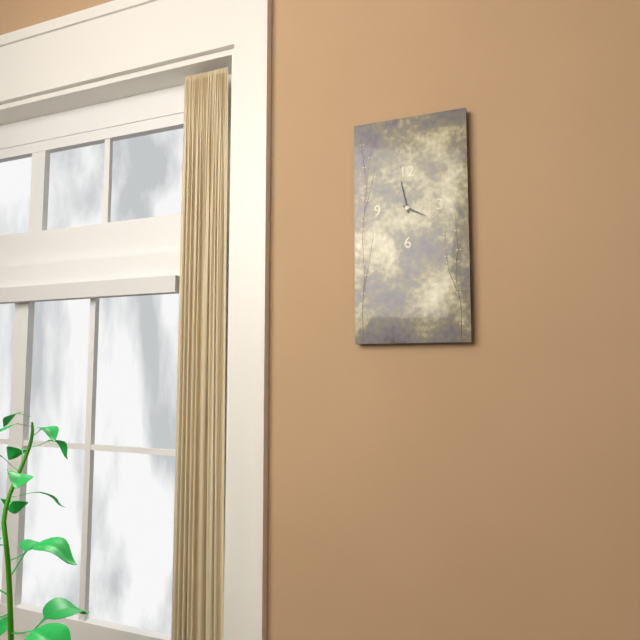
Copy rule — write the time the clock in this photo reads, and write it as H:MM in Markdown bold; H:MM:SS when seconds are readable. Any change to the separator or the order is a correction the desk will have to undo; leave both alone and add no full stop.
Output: **3:58**
